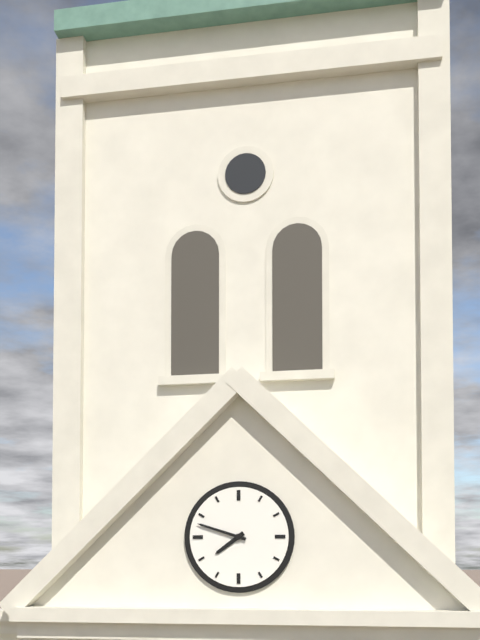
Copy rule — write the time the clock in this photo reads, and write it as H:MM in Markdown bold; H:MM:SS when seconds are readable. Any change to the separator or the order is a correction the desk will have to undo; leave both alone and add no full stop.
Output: **7:48**
